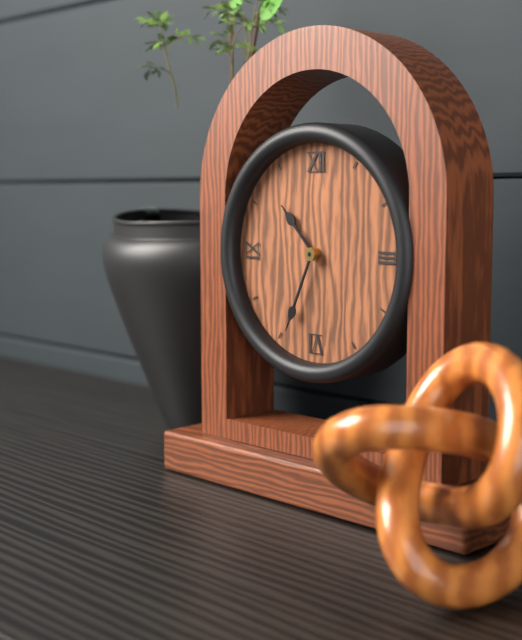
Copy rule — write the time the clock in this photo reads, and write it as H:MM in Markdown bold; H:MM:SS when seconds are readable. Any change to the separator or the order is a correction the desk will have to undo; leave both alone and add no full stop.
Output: **10:34**
